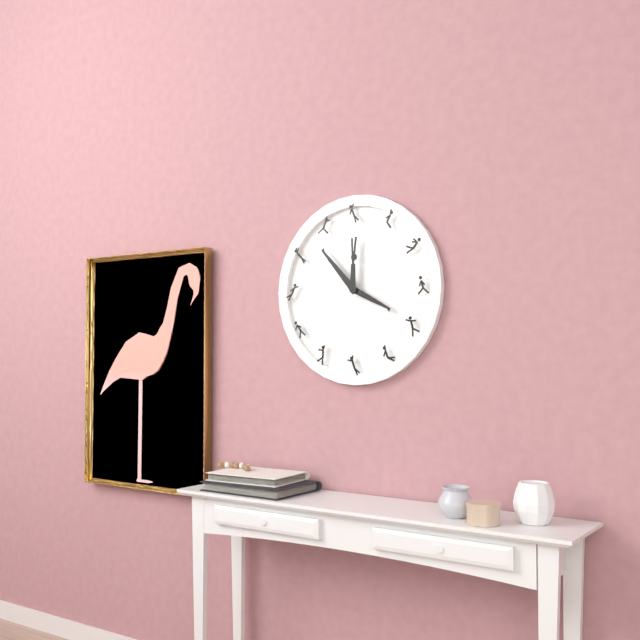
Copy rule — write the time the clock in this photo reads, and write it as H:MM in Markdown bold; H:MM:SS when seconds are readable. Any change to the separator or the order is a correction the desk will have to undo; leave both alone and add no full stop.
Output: **3:53**
